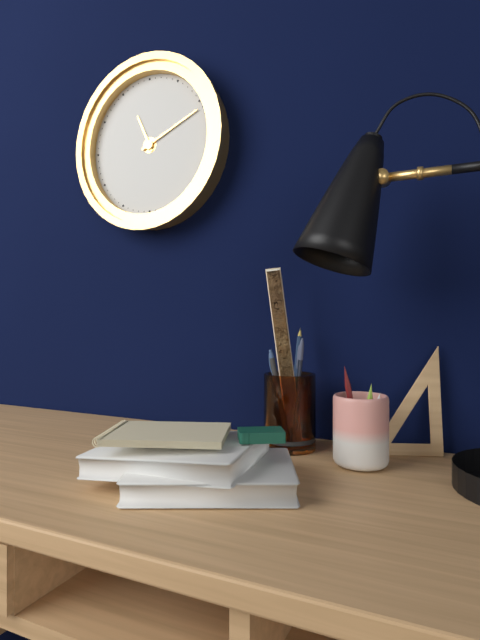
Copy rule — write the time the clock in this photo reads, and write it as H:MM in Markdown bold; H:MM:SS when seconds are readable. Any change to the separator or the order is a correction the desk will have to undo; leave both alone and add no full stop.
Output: **11:11**
